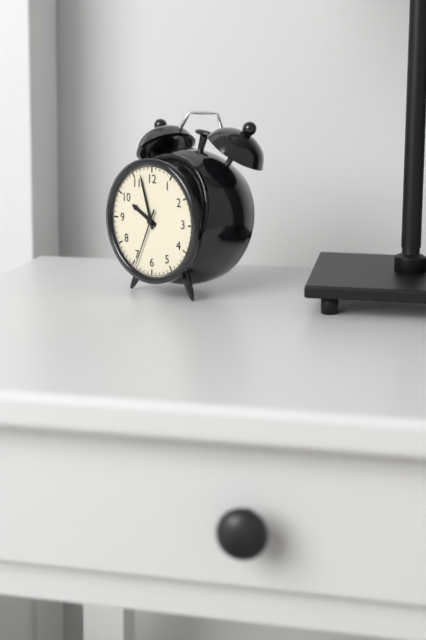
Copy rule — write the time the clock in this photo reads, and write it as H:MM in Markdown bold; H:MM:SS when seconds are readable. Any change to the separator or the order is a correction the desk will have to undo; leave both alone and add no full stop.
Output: **9:57:34**
